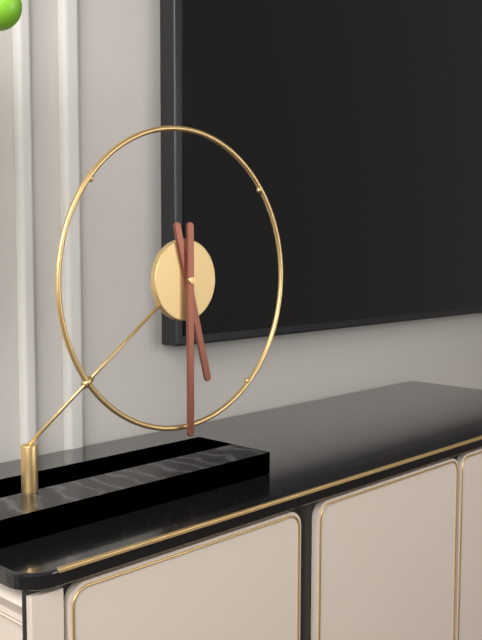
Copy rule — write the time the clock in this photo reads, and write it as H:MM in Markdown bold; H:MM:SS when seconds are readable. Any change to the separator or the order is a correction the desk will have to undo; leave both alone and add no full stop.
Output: **5:30**
